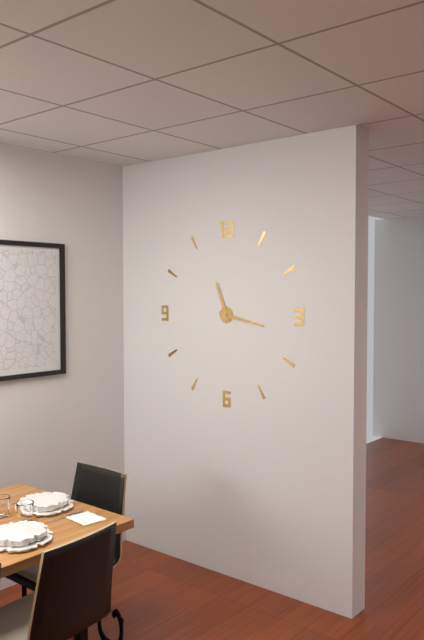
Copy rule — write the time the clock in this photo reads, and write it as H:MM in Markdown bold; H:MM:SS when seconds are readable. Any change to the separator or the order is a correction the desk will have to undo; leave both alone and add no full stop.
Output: **11:17**
